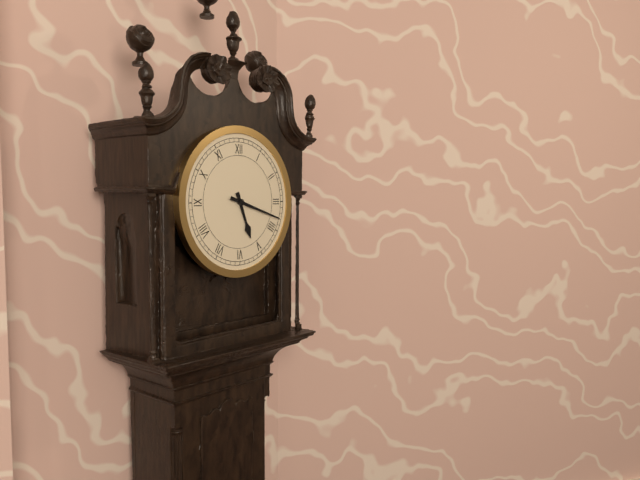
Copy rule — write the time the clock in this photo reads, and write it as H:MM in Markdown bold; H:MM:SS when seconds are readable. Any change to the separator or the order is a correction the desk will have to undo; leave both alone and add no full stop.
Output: **5:18**
